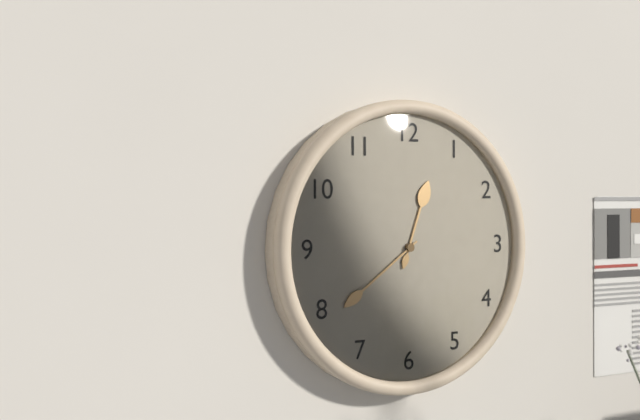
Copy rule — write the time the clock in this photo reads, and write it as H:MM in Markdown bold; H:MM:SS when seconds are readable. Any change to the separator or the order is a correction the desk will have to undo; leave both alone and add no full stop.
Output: **12:39**
